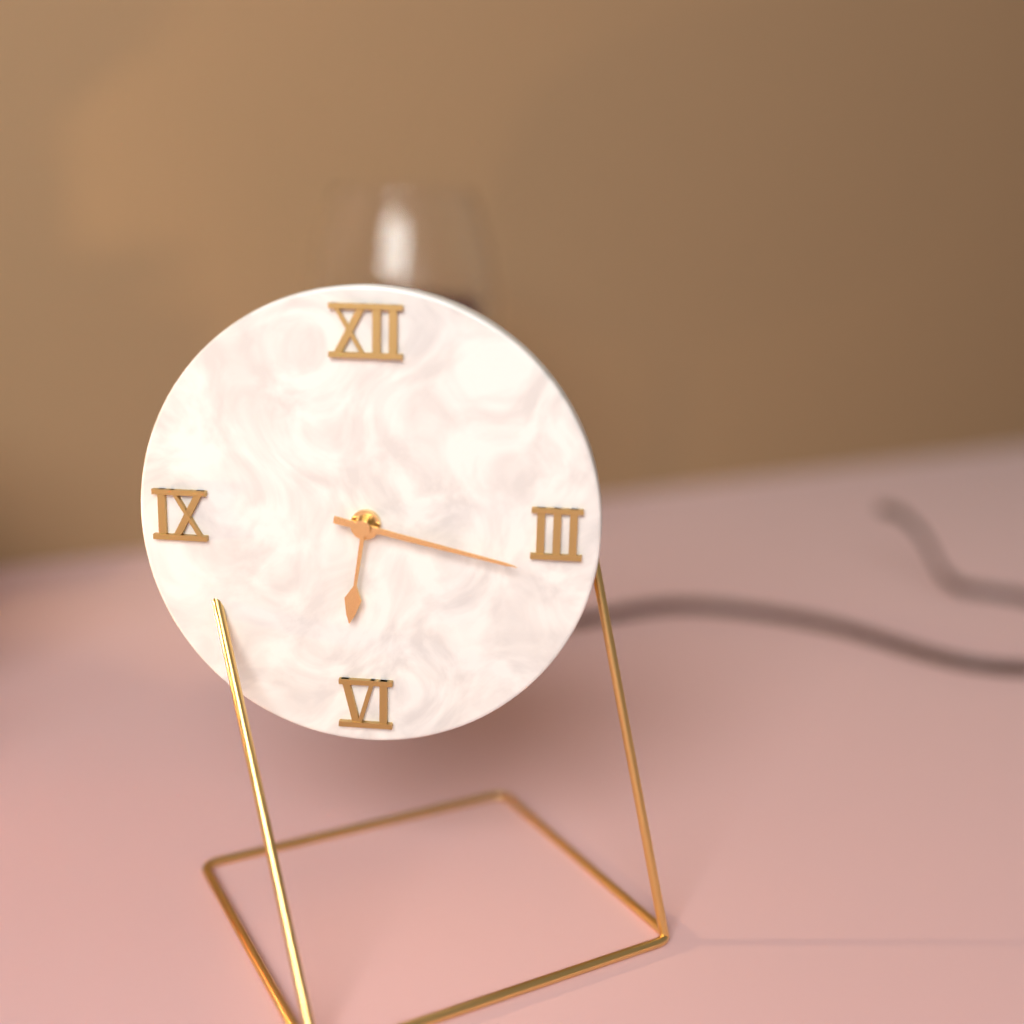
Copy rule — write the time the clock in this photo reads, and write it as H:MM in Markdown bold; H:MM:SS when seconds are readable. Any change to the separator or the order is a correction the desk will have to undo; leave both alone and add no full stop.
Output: **6:17**
